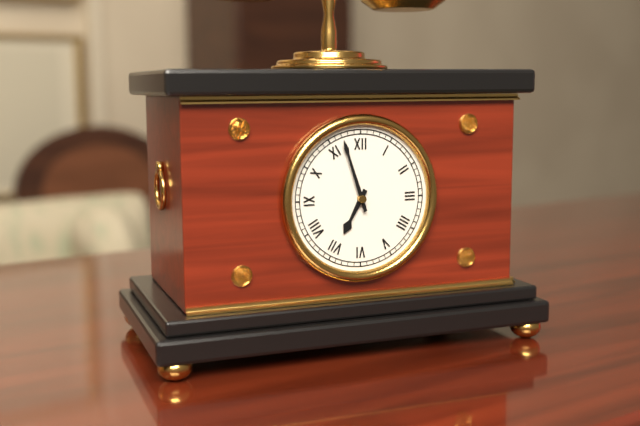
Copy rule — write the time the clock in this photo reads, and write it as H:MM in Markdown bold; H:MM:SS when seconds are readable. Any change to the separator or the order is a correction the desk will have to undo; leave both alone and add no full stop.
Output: **6:57**
